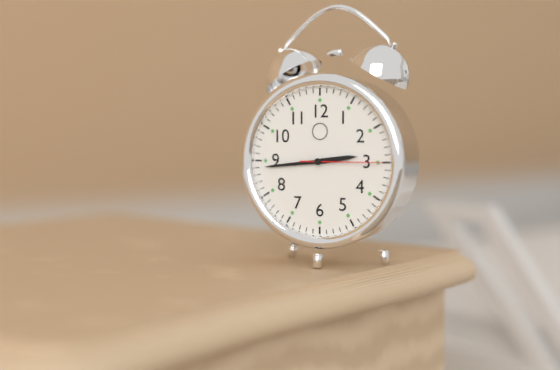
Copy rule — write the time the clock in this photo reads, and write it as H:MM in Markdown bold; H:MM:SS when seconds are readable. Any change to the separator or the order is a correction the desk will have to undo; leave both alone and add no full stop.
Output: **2:44:15**
